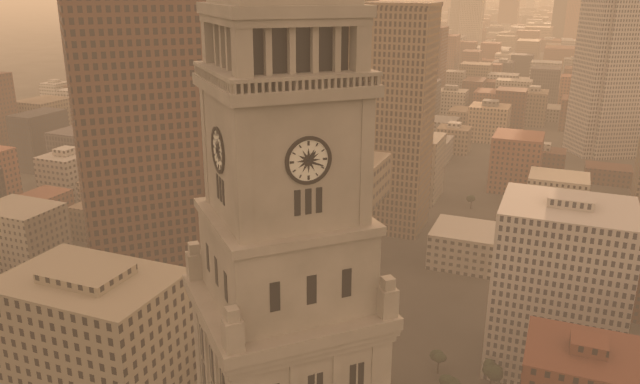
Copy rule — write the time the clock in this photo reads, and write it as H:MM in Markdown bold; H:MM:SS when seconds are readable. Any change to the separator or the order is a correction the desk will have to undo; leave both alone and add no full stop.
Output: **1:19**
